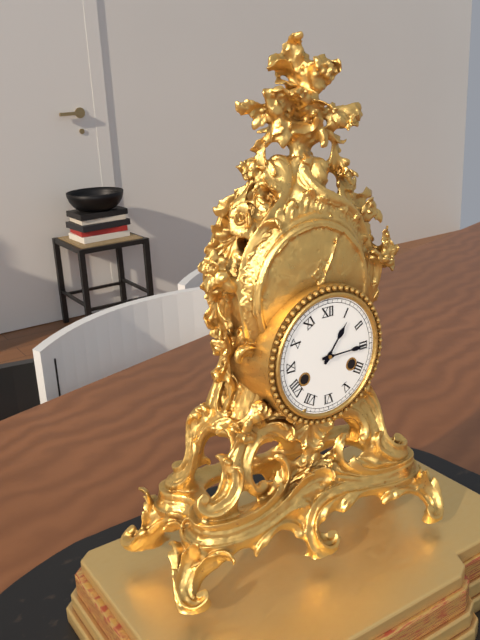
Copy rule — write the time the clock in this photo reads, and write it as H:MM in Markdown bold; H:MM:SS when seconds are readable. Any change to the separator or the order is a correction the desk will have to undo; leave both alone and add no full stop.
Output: **1:15**
